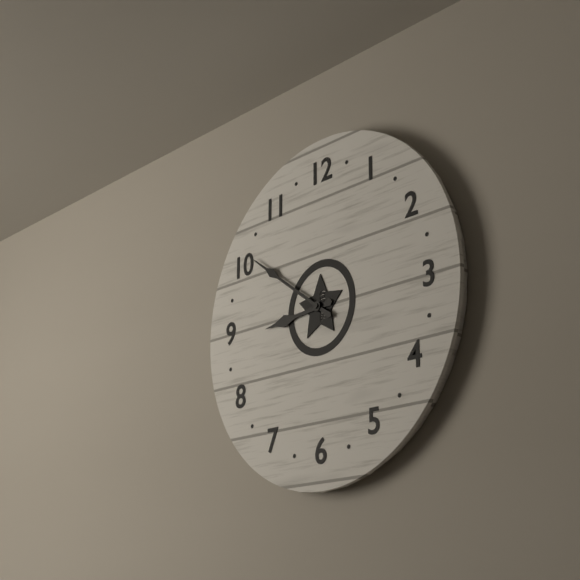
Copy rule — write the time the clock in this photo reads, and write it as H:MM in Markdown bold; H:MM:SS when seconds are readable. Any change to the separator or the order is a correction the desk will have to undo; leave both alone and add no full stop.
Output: **8:51**
